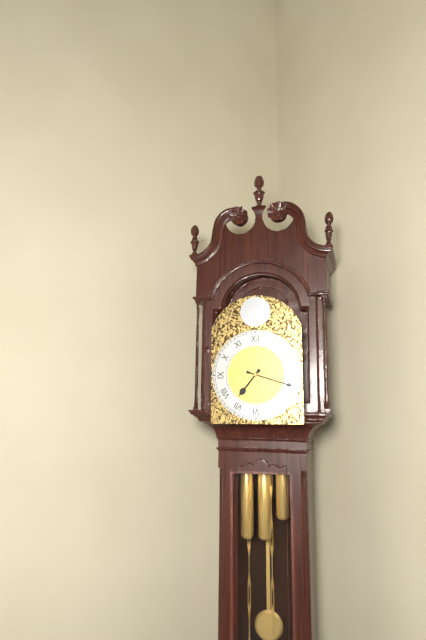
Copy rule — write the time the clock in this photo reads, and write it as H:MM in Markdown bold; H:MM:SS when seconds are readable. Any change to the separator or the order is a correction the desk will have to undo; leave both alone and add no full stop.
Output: **7:18**
